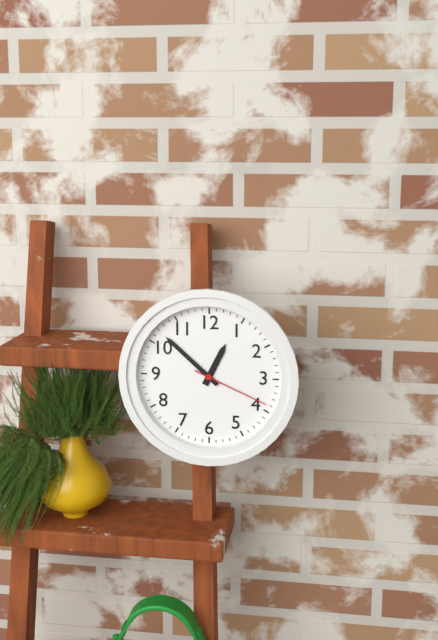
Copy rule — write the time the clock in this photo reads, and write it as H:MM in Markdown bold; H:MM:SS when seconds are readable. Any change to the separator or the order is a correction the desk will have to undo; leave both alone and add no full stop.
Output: **12:52:19**
